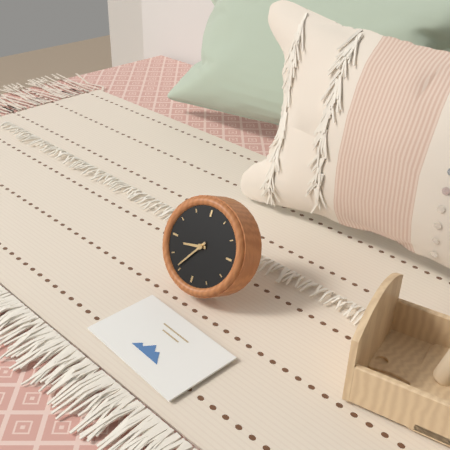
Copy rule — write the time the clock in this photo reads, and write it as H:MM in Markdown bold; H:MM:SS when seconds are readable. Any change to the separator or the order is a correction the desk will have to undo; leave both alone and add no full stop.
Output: **8:36**
